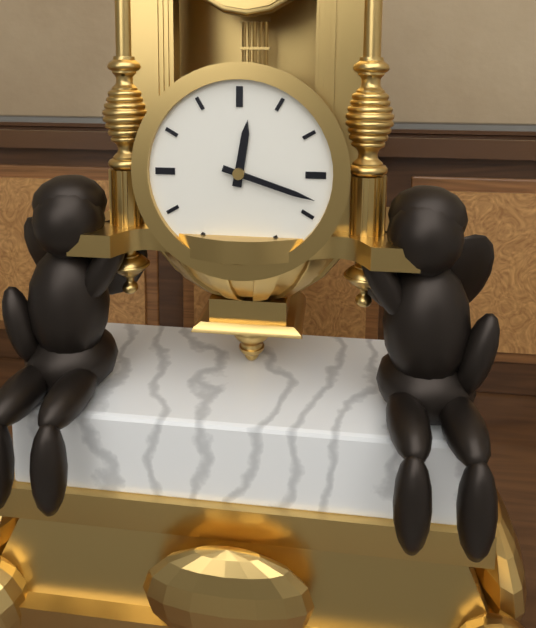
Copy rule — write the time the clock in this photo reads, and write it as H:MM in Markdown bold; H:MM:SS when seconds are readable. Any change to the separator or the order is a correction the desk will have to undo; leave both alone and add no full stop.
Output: **12:18**
